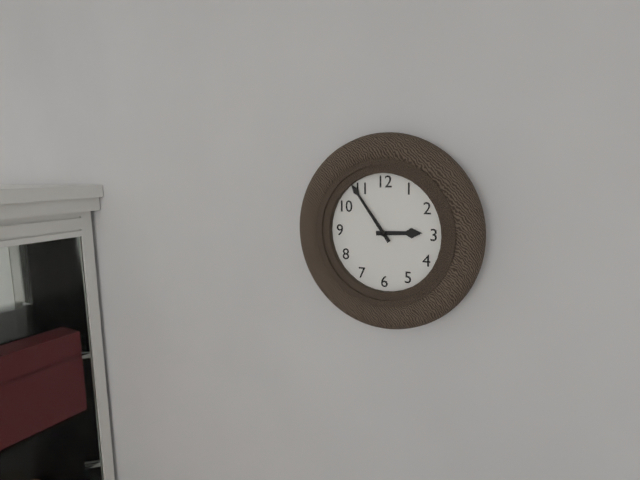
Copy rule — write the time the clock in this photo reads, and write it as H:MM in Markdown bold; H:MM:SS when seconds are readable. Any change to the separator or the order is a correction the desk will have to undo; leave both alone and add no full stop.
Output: **2:54**
